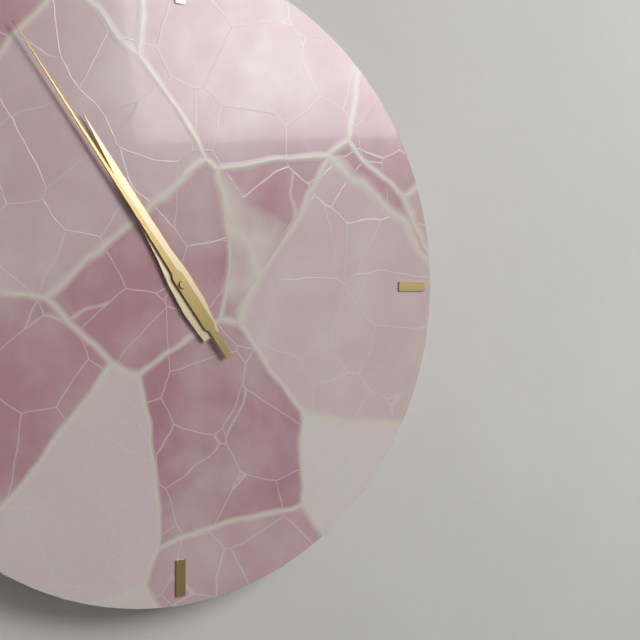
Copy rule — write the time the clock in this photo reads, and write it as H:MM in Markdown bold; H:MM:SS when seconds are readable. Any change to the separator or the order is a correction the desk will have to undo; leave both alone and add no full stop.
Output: **10:54**
